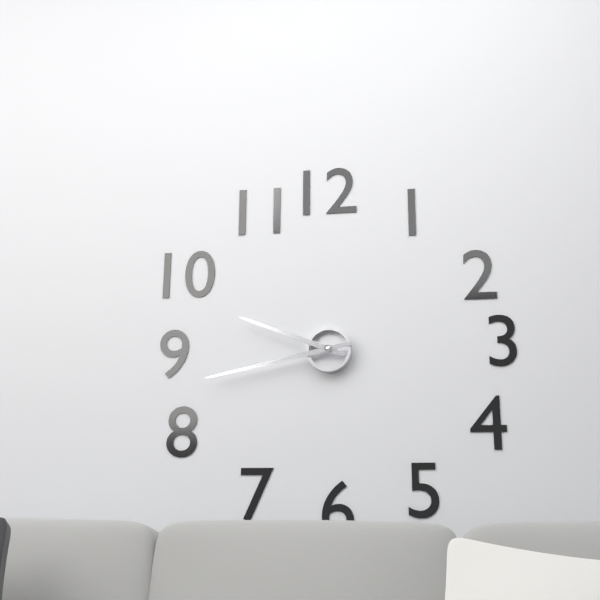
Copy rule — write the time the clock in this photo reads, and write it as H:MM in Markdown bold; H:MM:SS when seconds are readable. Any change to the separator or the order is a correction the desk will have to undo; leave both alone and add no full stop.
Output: **9:43**
